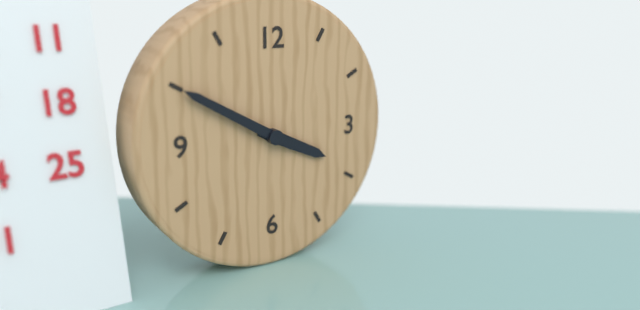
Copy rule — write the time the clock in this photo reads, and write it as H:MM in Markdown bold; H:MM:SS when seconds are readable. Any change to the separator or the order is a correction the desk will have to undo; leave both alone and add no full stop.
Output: **3:50**
